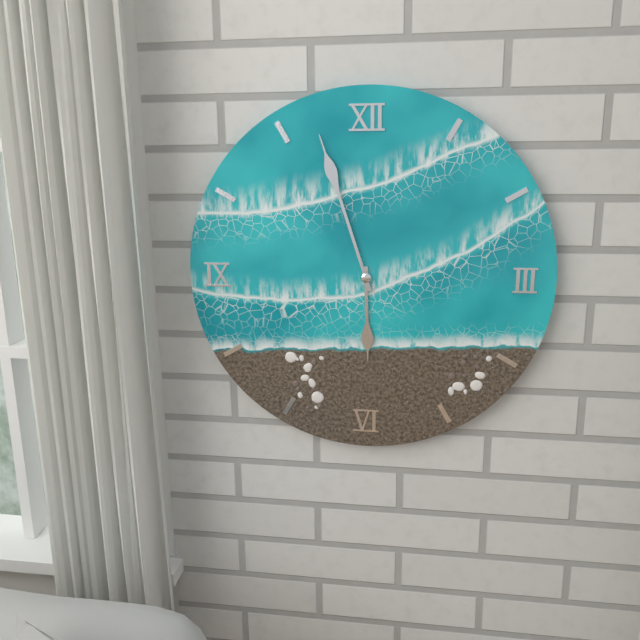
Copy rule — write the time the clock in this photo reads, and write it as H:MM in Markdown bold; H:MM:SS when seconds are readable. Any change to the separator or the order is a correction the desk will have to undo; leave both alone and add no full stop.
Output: **5:57**
